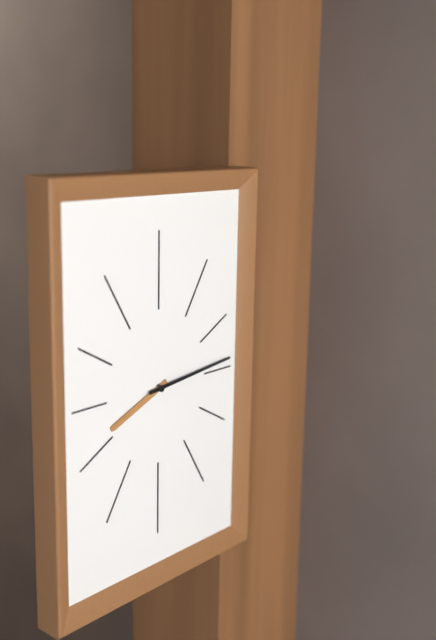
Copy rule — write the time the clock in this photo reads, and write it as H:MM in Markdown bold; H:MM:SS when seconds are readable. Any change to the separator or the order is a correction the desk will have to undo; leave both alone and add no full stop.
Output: **8:14**
